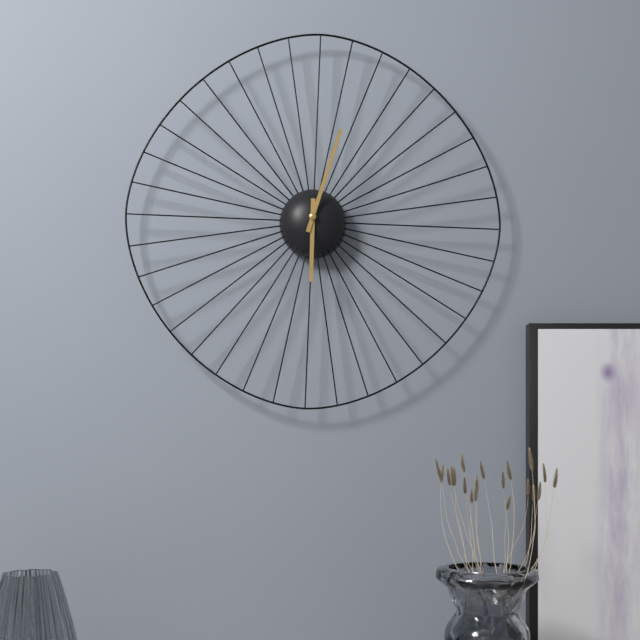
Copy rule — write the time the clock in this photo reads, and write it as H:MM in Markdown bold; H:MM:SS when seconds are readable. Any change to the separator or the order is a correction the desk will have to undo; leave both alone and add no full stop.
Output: **6:03**
